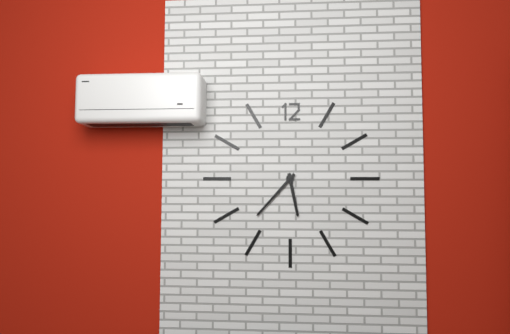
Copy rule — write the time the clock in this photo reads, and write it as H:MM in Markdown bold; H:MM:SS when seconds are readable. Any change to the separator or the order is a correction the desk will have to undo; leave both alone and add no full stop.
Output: **5:37**
